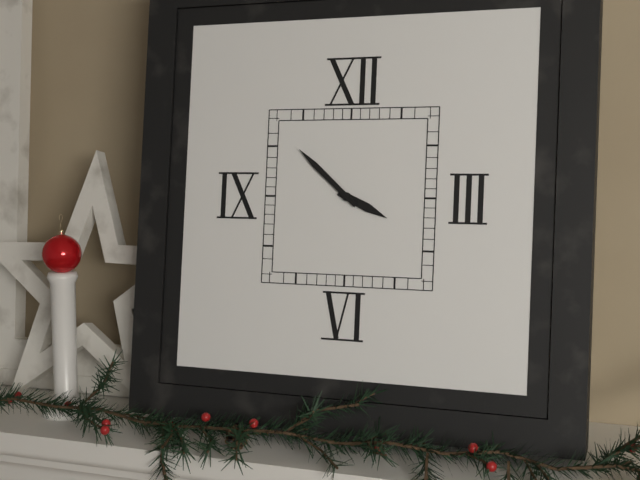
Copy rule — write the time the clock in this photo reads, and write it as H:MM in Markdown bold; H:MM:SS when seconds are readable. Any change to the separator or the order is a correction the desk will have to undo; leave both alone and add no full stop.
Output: **3:52**
